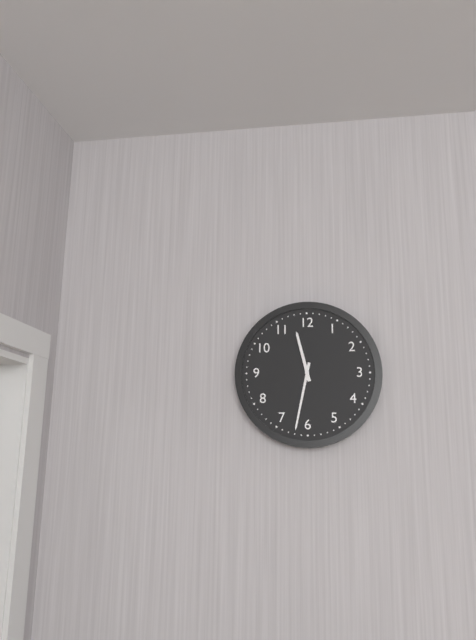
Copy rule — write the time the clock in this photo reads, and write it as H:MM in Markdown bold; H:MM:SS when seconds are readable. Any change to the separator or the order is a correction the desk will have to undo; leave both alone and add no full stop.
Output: **11:32**
